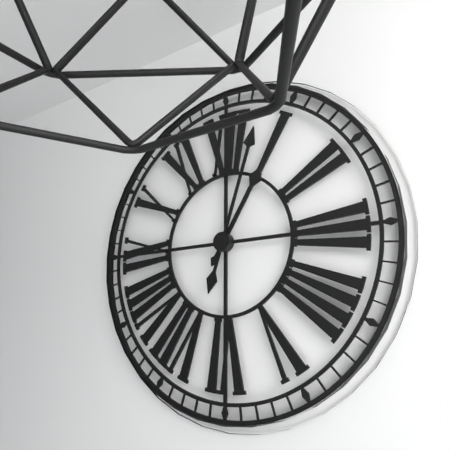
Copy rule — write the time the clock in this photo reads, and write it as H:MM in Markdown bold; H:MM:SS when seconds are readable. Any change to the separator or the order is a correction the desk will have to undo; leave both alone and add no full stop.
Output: **1:03**
